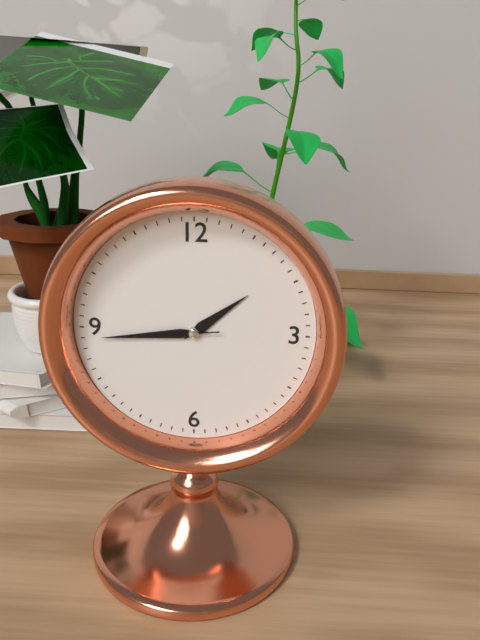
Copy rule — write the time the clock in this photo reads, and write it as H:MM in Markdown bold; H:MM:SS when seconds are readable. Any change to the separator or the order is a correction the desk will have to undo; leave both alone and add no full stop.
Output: **1:44:44**
